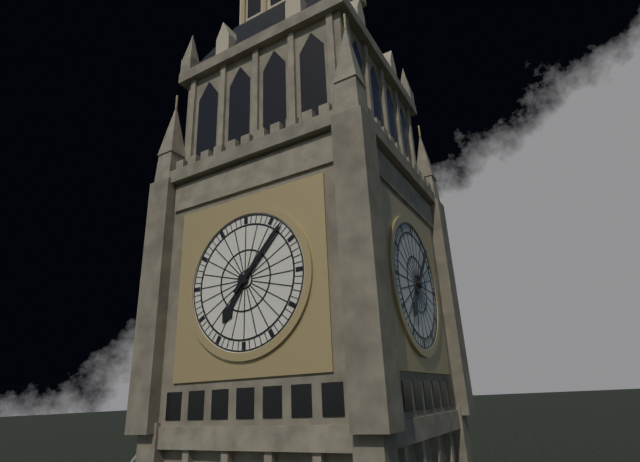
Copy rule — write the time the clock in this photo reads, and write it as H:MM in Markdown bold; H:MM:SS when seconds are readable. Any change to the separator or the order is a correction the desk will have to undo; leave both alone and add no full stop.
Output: **7:07**
